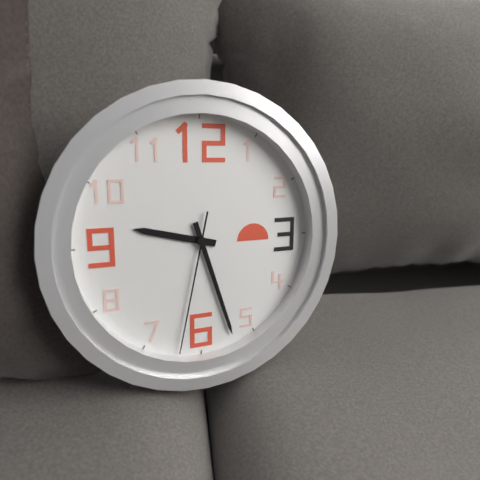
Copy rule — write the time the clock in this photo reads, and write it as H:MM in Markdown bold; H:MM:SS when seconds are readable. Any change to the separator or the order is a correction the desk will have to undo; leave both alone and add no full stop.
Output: **9:27:32**
